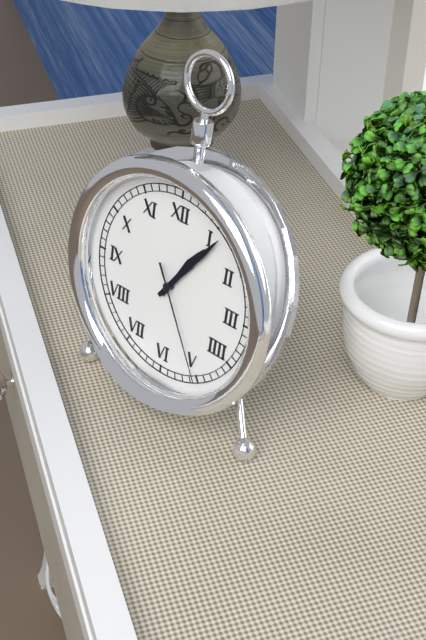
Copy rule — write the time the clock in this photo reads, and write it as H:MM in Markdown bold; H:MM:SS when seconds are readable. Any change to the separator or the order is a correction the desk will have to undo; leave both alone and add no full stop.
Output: **1:06:25**
